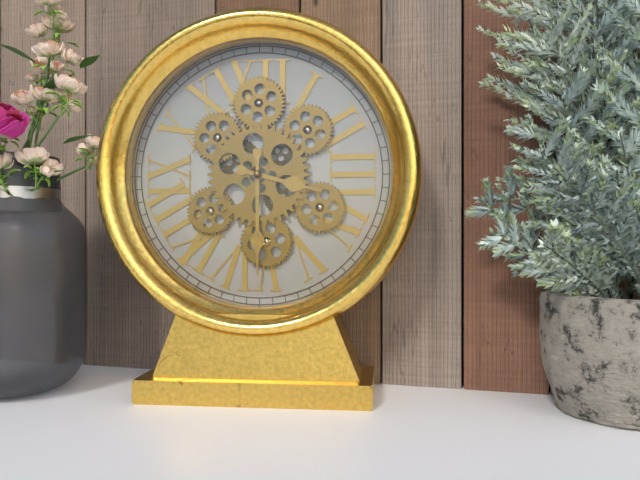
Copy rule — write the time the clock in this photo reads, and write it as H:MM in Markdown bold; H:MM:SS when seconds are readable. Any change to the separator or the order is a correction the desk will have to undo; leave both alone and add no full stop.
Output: **3:30**
